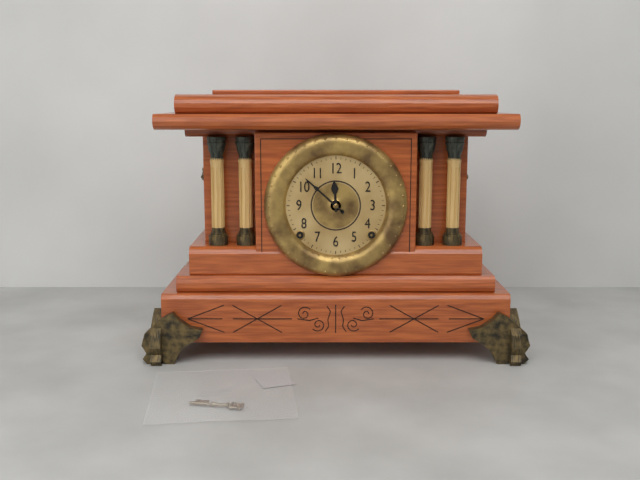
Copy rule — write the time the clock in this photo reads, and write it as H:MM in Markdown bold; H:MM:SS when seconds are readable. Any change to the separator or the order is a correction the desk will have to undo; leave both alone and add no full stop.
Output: **11:52**
